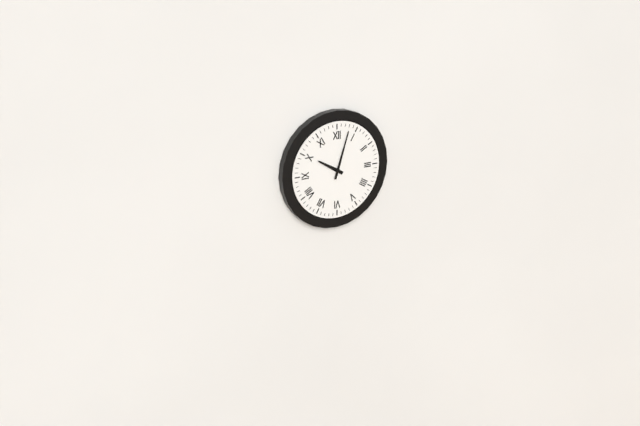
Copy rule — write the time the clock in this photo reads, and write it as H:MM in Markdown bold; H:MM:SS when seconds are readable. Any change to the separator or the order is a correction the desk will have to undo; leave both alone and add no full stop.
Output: **10:03**
